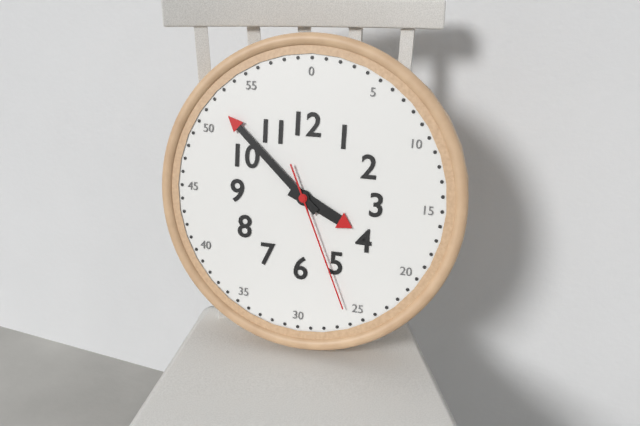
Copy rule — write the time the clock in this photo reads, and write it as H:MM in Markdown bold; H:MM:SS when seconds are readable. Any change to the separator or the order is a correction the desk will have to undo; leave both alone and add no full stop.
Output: **3:52:26**
